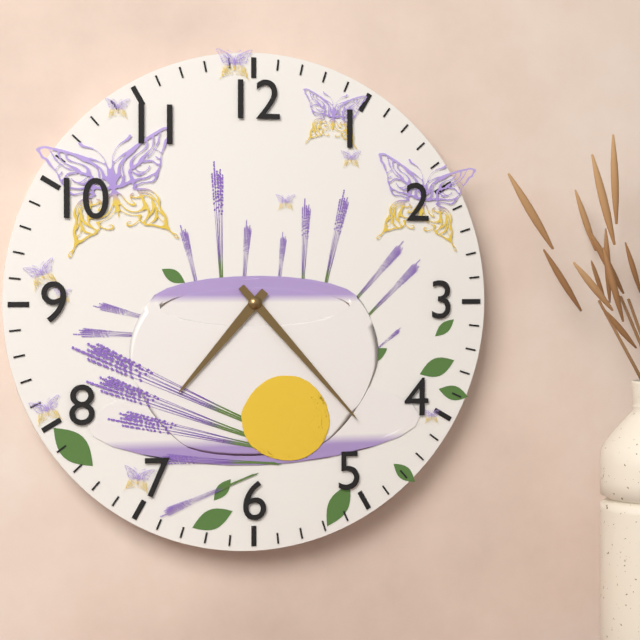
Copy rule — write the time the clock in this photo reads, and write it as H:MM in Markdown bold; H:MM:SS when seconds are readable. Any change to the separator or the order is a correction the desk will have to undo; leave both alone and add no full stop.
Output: **7:23**
